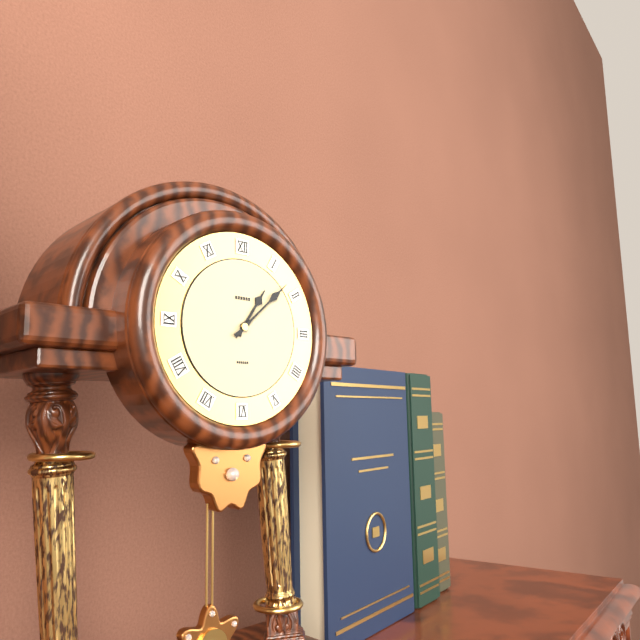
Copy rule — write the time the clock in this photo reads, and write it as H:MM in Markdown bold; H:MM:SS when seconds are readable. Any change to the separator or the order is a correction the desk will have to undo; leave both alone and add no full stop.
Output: **1:08**
